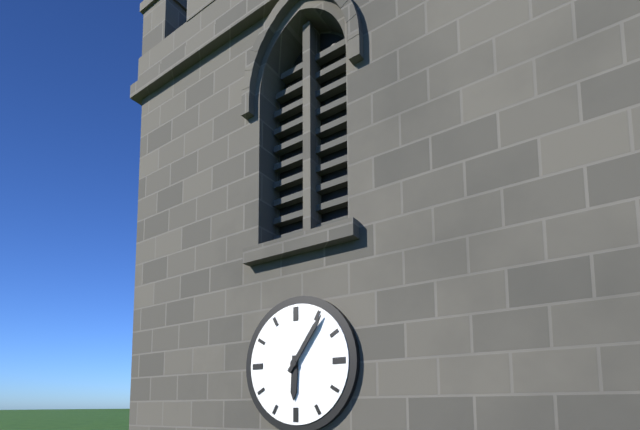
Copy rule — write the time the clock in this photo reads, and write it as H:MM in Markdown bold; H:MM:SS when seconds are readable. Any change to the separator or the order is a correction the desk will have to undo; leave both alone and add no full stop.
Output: **6:06**
